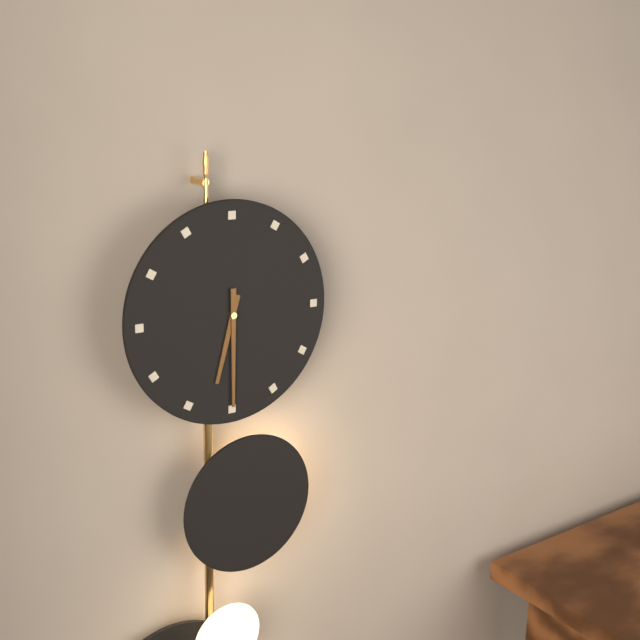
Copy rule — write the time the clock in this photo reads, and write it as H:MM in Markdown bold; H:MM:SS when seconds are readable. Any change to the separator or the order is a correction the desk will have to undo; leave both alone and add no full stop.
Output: **6:30**
